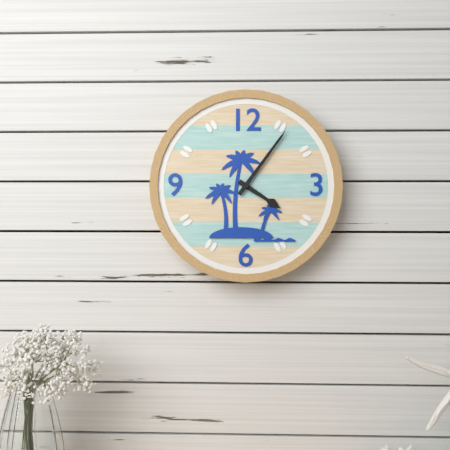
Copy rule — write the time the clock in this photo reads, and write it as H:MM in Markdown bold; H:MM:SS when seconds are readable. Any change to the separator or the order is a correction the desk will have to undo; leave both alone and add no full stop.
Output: **4:06**
